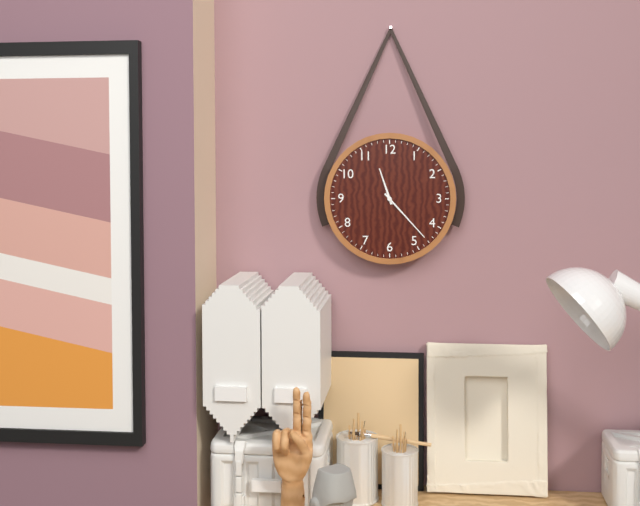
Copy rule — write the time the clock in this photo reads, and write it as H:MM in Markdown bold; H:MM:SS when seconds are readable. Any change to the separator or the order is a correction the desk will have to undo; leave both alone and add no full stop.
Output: **11:23**
